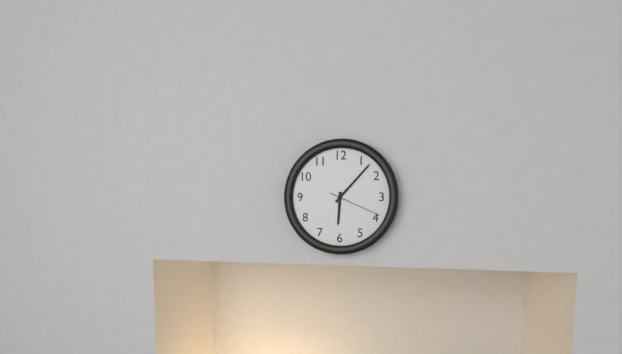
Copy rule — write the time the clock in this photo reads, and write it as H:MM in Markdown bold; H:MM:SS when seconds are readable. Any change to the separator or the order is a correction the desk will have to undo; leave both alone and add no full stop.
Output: **6:07:19**
